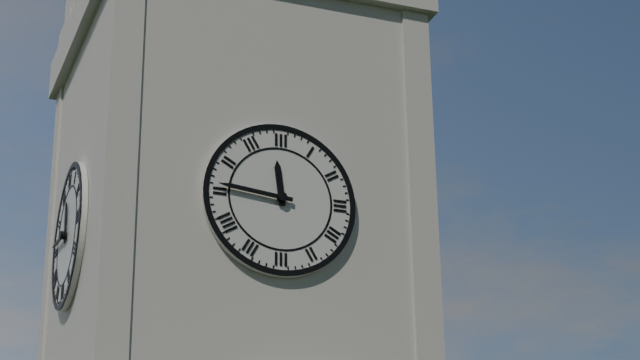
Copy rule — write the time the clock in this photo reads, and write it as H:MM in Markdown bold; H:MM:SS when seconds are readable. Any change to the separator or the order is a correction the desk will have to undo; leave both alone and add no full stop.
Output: **11:46**
